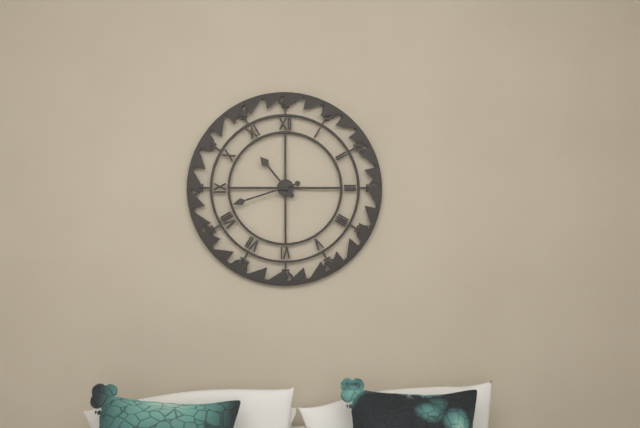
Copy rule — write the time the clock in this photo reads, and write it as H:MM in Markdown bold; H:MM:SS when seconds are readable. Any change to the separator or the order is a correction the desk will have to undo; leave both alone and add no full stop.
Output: **10:42**
